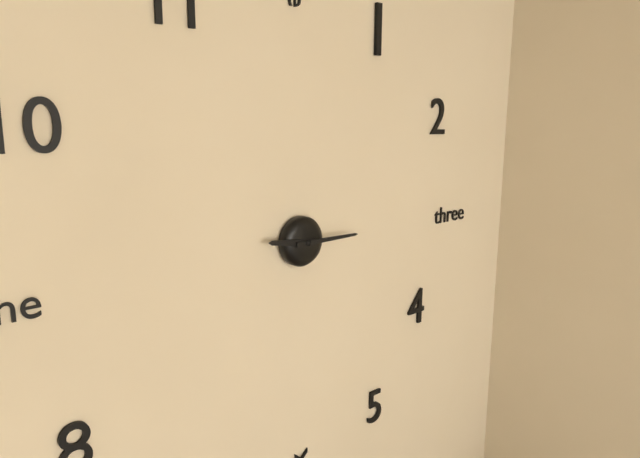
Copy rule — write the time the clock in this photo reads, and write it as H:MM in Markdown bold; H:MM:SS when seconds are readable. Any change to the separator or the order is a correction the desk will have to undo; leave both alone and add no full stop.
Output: **9:15**
